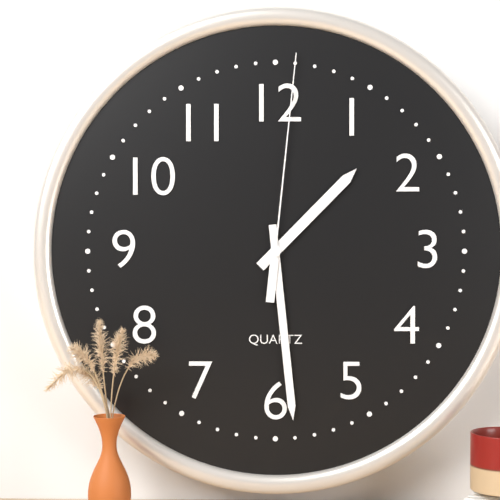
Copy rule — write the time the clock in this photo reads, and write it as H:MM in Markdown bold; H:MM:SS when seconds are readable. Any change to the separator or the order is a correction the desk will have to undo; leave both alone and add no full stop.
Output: **1:29:01**
